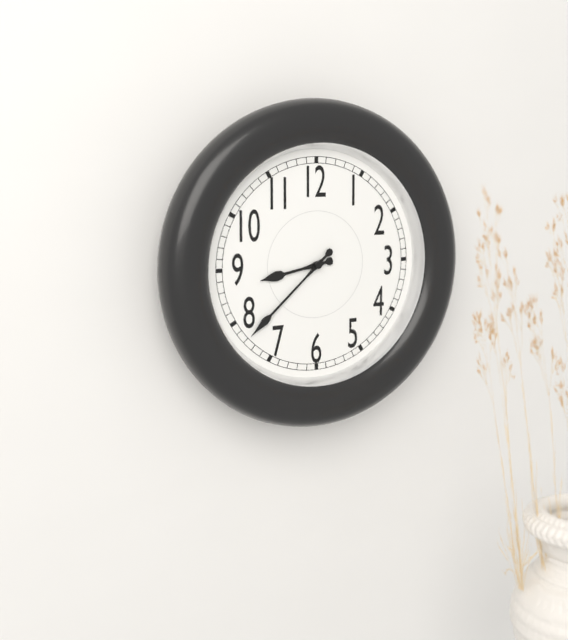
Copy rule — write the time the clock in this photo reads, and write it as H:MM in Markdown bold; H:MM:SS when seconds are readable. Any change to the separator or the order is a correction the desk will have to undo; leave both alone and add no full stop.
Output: **8:38**
